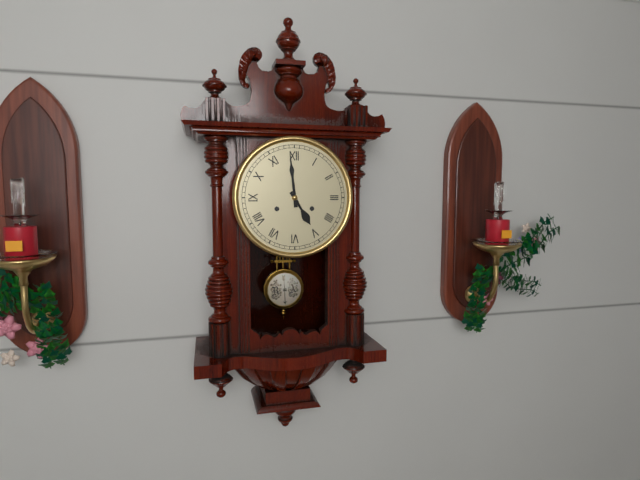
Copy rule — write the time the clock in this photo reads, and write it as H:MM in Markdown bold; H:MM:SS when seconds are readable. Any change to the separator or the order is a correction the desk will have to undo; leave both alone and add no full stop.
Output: **4:59**
